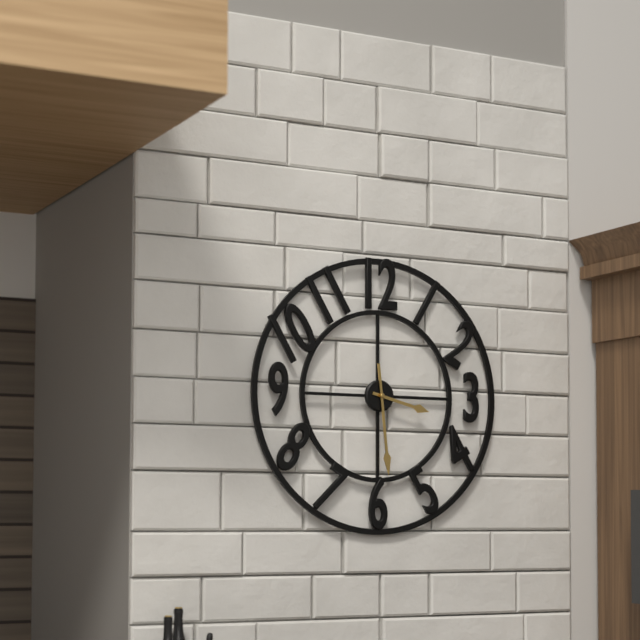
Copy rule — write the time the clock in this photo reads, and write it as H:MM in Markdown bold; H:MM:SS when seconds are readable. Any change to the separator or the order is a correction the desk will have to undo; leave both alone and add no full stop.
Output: **3:29**
